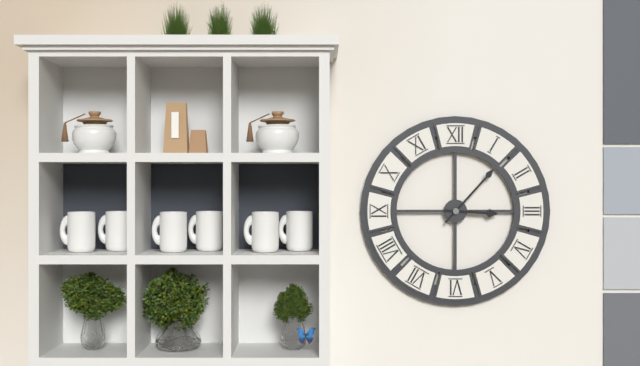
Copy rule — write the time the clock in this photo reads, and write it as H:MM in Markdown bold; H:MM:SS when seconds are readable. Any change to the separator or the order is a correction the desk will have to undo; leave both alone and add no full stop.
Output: **3:07**
